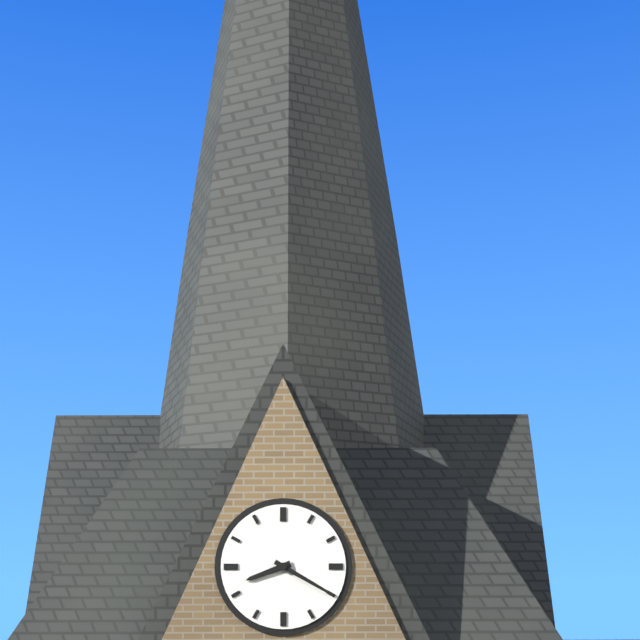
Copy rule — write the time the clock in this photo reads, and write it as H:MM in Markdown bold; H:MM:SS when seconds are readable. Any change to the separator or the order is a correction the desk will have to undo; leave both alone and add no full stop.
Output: **8:20**
